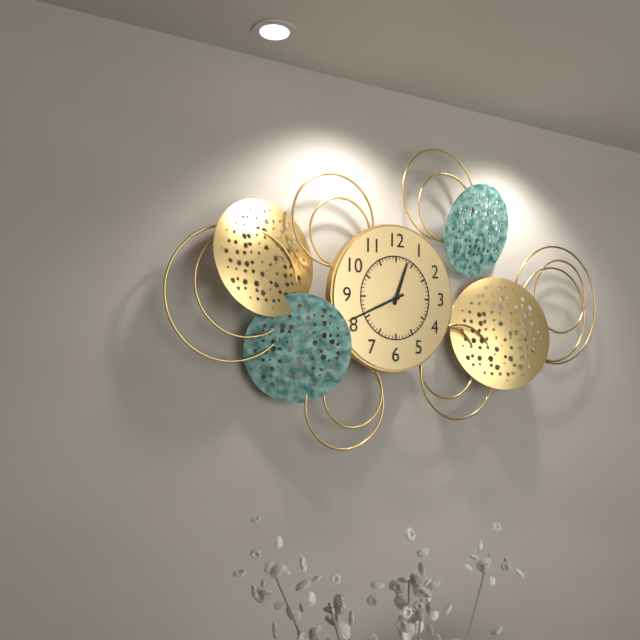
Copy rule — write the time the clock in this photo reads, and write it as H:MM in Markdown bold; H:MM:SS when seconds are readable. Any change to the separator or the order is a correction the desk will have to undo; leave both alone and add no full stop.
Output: **12:41**
